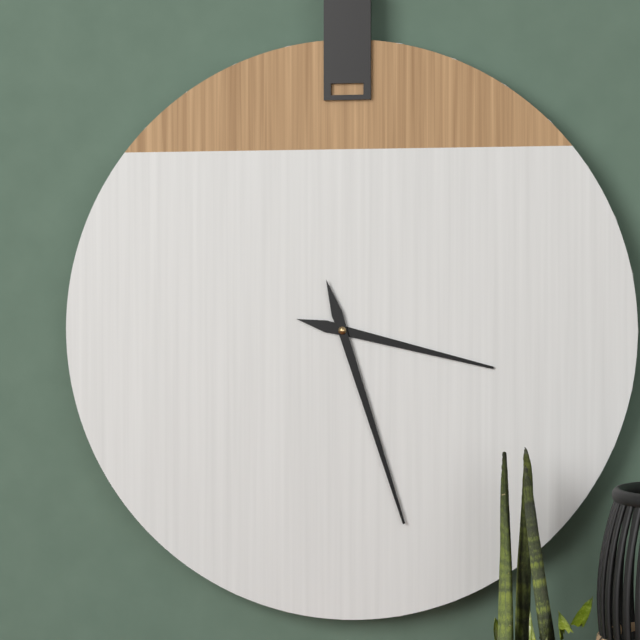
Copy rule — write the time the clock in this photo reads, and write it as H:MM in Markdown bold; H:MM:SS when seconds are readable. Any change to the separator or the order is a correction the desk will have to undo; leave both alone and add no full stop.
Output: **3:27**
